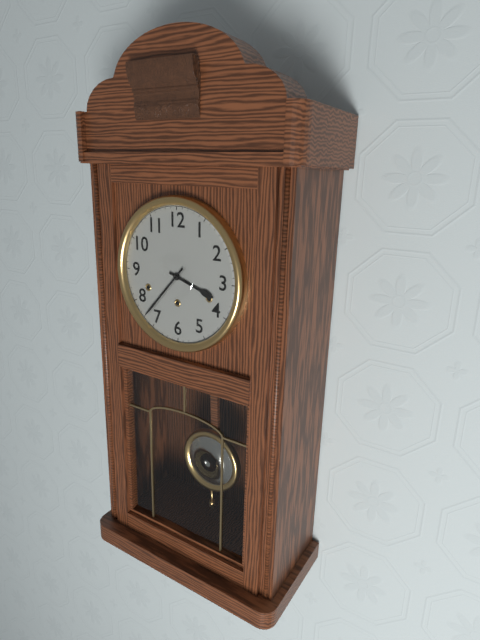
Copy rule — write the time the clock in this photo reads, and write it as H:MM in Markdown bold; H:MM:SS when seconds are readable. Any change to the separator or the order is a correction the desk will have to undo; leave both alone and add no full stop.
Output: **3:37**
